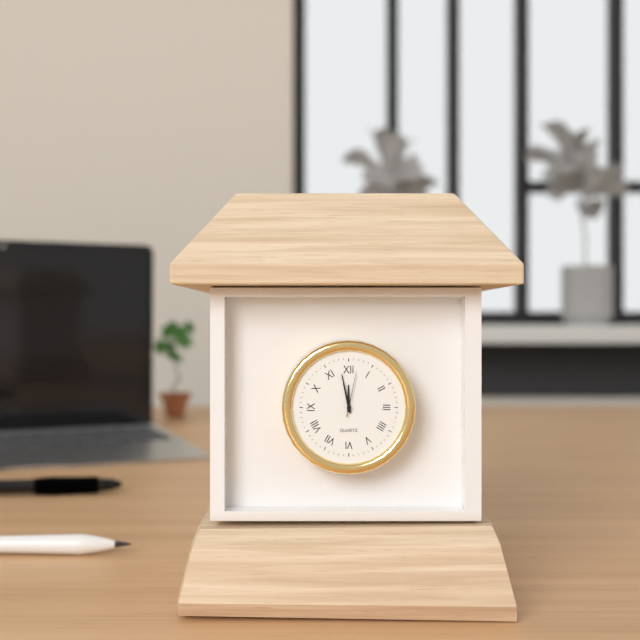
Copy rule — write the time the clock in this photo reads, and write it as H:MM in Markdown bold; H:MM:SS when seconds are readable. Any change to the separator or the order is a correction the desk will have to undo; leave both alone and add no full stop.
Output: **11:58**
